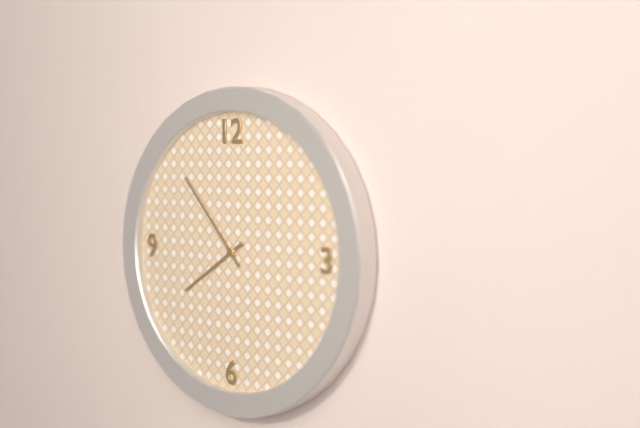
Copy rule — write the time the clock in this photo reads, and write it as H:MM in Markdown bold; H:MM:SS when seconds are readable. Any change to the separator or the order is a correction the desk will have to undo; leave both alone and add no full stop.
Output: **7:53**
